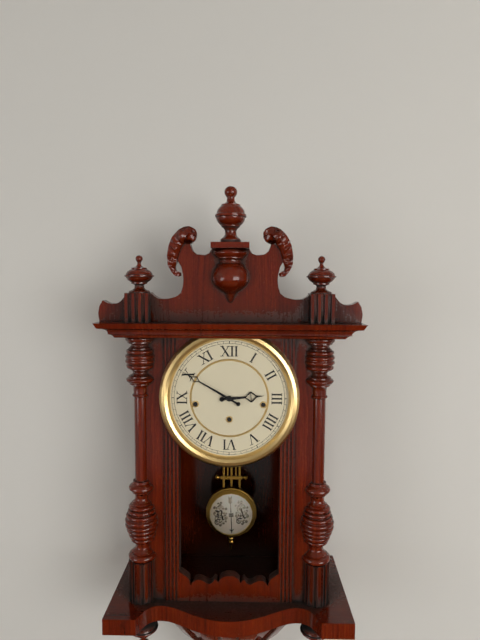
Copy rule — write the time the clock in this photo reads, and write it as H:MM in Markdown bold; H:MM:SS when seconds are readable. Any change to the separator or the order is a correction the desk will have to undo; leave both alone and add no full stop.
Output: **2:50**
